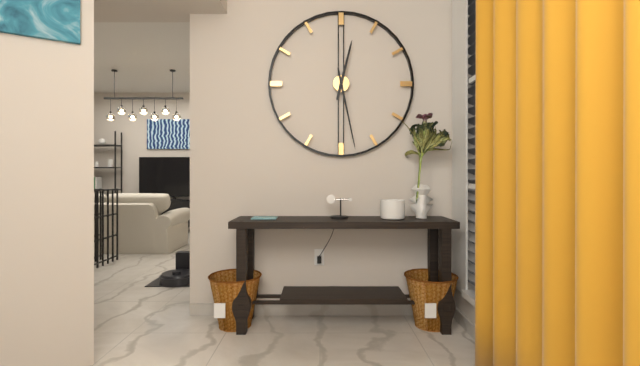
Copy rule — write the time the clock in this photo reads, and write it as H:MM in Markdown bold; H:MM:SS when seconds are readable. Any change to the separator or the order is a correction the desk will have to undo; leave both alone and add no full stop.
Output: **12:28**
